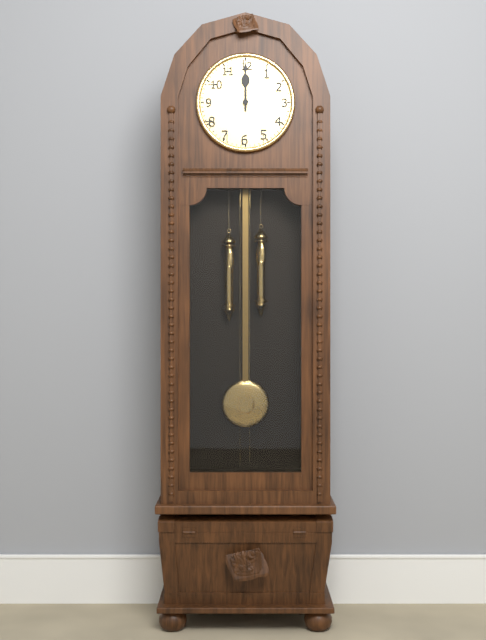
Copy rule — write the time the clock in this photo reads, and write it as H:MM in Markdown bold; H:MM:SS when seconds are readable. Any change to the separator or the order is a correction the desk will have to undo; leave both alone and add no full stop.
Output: **12:00**
